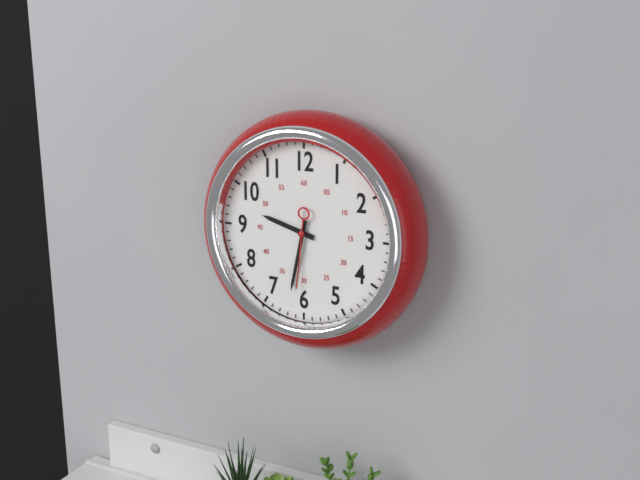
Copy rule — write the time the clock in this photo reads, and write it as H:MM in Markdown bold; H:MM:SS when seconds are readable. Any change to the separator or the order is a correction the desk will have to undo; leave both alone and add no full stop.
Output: **9:32:31**
